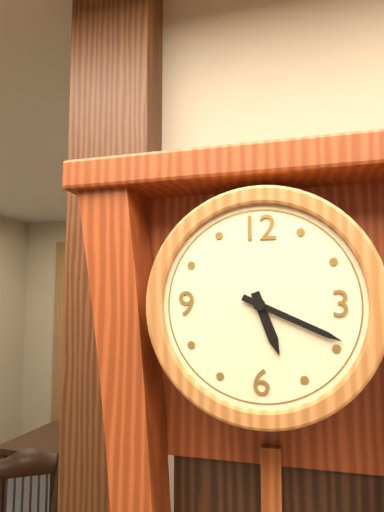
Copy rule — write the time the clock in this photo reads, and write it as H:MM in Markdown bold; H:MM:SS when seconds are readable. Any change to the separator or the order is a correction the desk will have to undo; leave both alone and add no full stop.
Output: **5:19**
